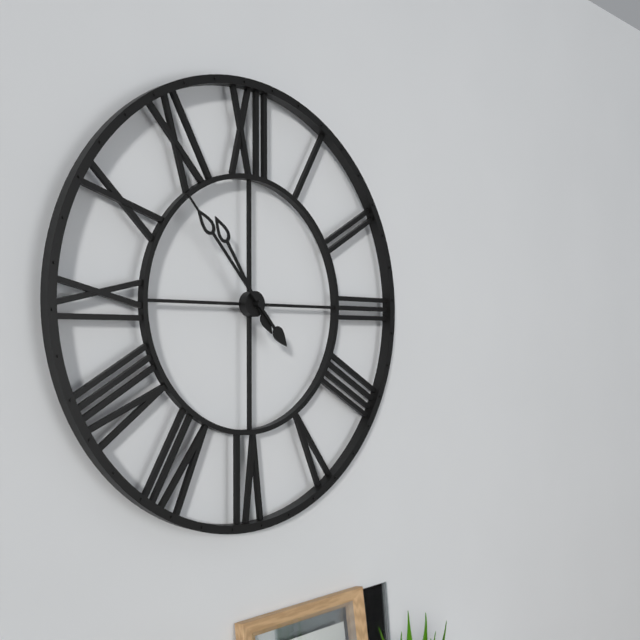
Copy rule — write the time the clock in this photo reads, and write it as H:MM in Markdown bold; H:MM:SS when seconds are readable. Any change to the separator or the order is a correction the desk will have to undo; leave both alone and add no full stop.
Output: **10:53**
